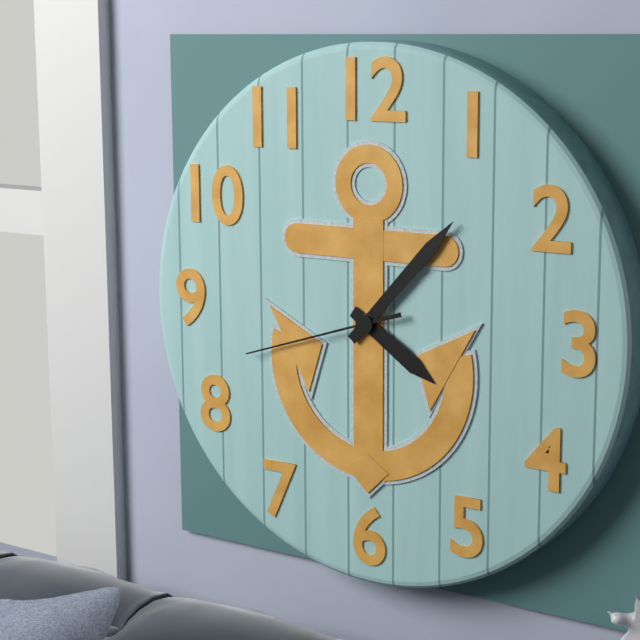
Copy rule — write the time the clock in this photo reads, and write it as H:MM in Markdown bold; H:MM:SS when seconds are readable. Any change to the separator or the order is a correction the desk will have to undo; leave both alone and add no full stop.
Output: **4:07:42**
